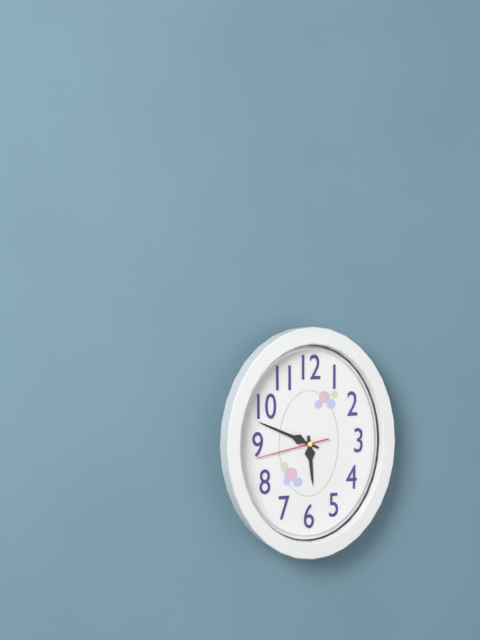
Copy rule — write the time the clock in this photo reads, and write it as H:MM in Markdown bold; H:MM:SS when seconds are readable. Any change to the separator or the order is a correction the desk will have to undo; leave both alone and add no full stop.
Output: **5:49:43**
